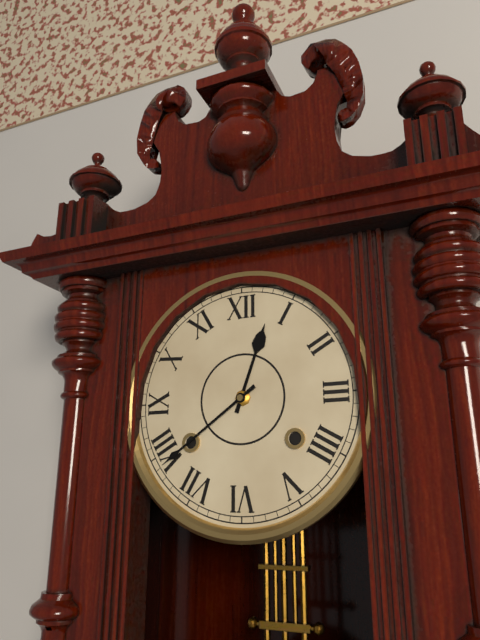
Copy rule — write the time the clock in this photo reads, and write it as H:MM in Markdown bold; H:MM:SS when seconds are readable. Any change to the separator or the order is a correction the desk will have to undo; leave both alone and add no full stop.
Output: **12:39**
